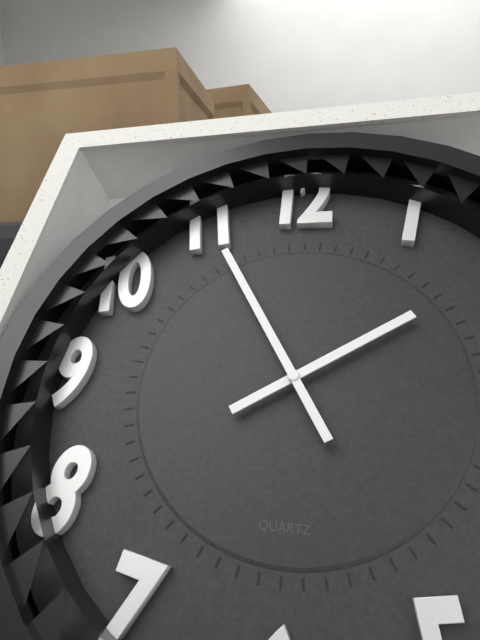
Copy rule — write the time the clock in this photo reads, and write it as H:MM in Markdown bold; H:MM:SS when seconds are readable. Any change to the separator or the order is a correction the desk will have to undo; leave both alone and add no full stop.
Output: **1:55**
